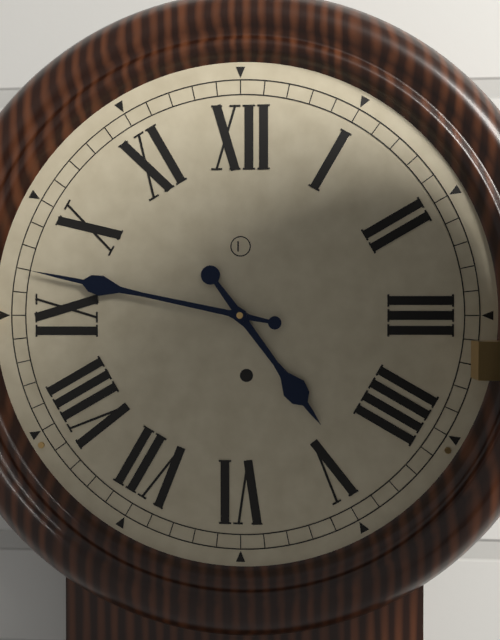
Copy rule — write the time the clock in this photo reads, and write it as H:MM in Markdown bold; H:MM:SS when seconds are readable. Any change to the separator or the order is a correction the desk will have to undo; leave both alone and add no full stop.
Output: **4:47**
